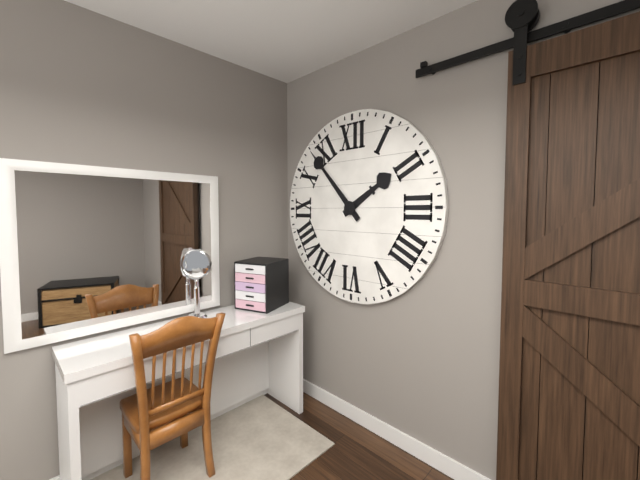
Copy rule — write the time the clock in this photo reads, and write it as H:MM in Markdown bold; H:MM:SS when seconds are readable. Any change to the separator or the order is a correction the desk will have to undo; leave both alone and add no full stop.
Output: **1:53**
